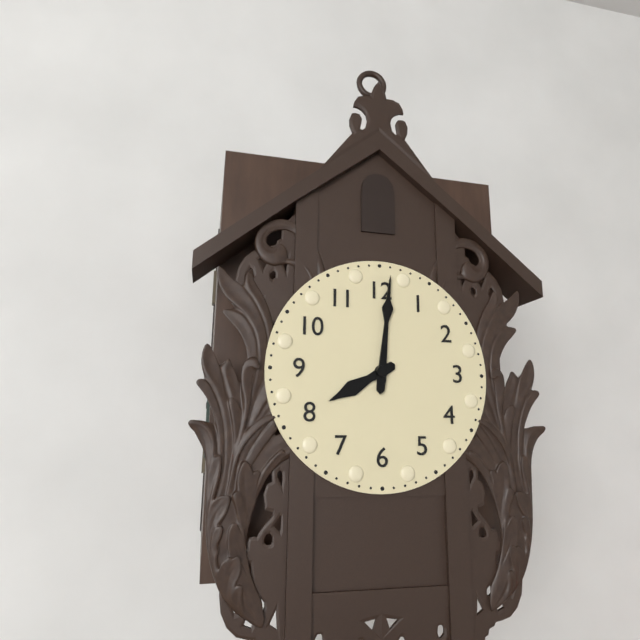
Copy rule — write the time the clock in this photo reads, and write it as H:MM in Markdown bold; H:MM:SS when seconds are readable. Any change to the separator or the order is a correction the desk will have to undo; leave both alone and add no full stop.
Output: **8:01**
